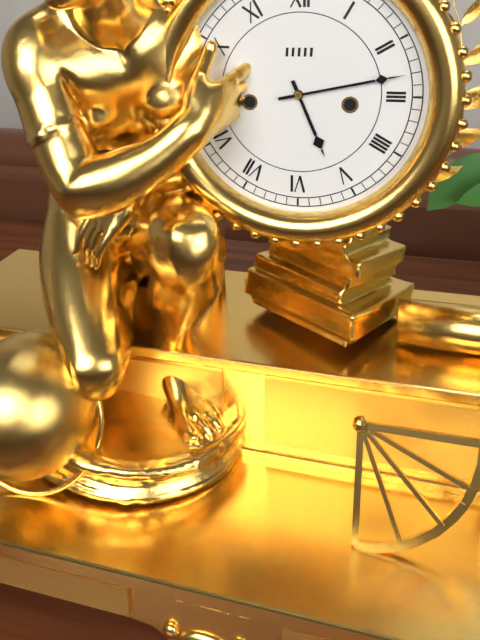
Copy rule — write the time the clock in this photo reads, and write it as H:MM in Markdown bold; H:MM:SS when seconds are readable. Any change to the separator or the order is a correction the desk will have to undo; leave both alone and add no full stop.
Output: **5:13**
